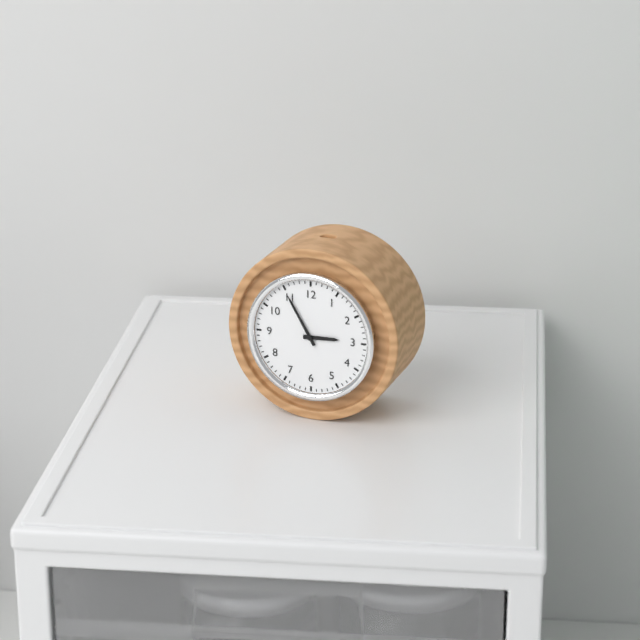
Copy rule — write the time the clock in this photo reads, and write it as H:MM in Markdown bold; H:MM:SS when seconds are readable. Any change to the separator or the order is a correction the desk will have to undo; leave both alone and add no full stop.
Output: **2:55**
